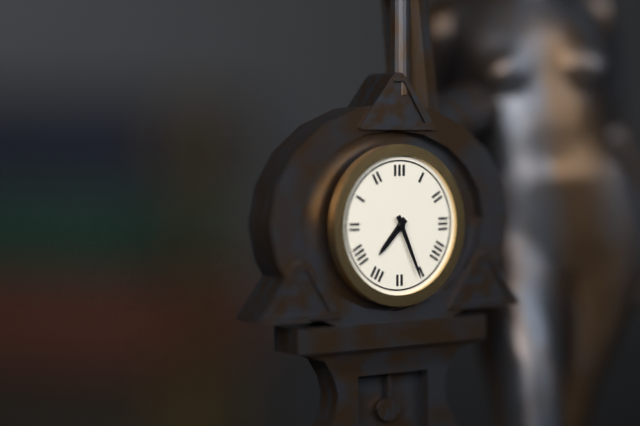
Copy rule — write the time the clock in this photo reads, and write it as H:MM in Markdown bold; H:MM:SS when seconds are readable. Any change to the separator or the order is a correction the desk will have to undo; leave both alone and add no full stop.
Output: **7:26**
